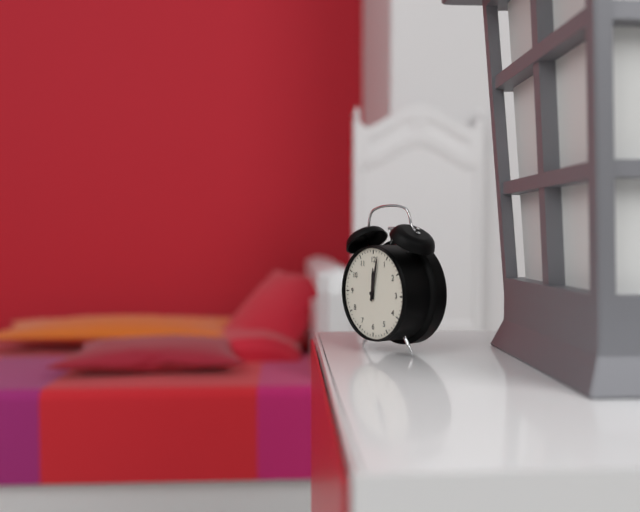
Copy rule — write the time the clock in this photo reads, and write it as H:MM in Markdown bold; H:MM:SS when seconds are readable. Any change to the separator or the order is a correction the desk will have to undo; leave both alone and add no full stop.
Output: **12:02**
